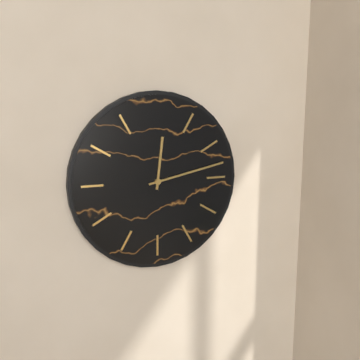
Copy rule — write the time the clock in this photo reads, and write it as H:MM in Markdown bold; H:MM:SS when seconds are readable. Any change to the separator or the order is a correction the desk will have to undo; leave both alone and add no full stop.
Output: **12:13**
